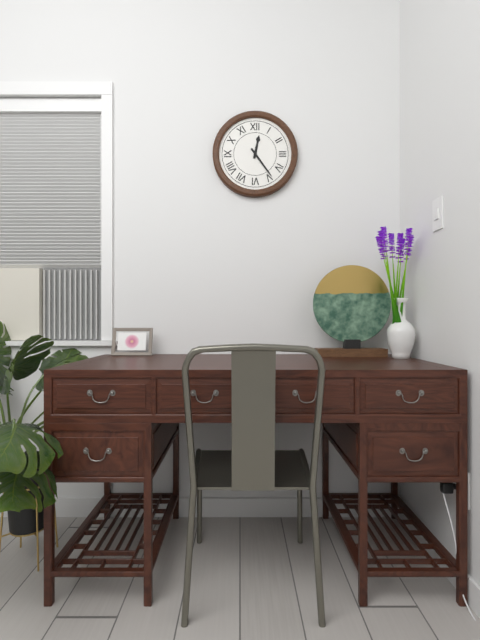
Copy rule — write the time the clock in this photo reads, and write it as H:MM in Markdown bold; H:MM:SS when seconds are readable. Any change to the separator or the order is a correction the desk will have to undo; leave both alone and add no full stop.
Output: **12:24**
